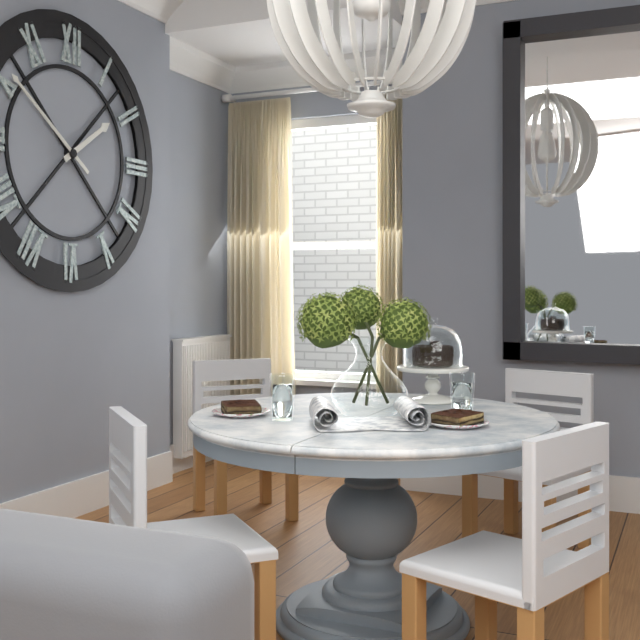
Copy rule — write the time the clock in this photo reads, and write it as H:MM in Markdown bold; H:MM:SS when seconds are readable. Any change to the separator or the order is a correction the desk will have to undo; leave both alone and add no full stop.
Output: **1:51**
